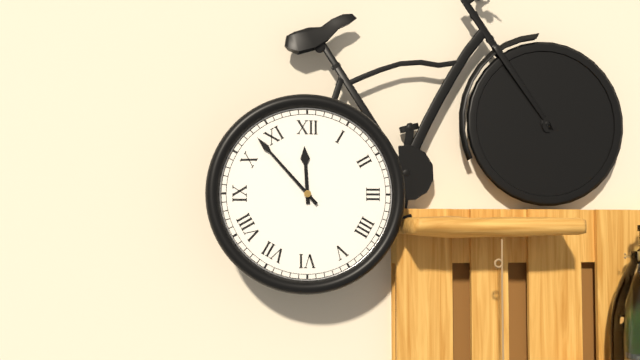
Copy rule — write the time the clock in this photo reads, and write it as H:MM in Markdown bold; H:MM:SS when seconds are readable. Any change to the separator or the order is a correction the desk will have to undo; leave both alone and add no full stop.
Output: **11:53**
